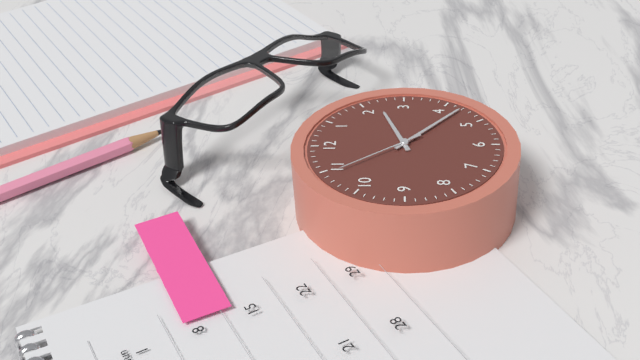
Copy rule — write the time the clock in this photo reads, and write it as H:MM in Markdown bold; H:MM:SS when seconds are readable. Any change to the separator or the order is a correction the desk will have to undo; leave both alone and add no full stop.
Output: **2:22:54**
